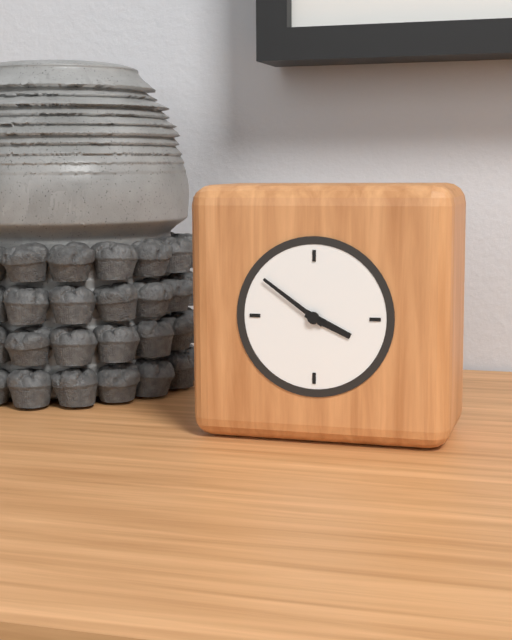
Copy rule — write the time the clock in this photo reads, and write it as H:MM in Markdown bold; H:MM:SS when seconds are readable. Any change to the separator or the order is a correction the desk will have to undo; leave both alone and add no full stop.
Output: **3:51**
